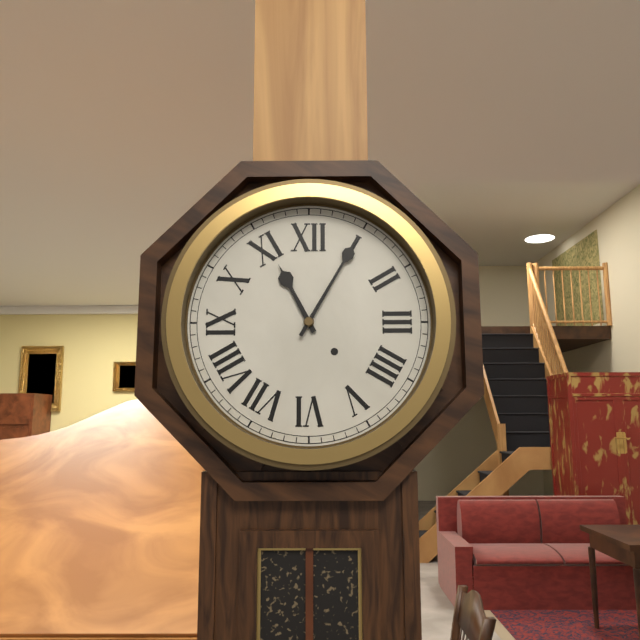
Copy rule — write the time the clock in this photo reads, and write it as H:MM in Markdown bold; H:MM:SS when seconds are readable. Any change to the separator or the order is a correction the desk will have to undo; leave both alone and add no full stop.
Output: **11:05**
